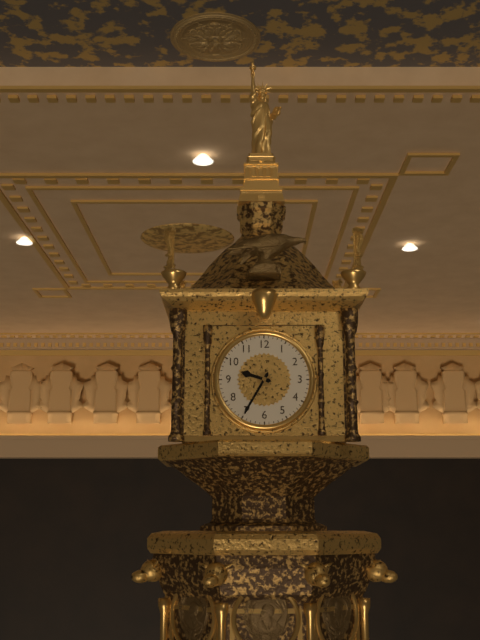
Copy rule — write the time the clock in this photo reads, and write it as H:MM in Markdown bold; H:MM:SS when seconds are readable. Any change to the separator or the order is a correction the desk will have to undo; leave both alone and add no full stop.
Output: **9:35**
